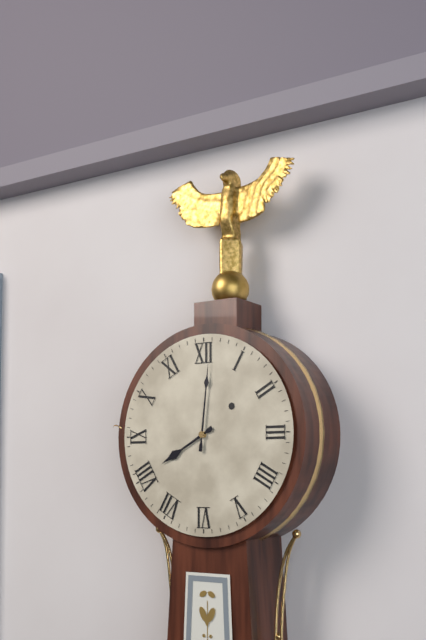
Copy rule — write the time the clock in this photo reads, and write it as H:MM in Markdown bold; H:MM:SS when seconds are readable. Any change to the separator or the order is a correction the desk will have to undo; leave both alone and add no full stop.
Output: **8:01**
